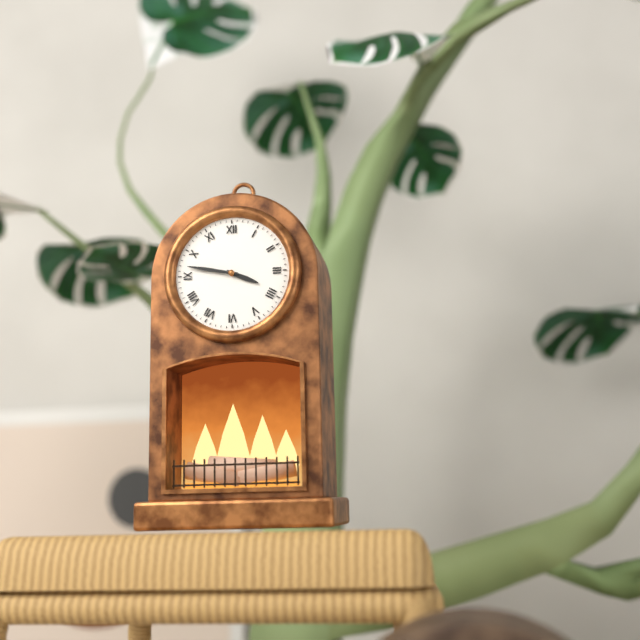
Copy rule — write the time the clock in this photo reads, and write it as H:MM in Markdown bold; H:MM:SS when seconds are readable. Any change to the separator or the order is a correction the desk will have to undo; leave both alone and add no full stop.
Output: **3:47**
